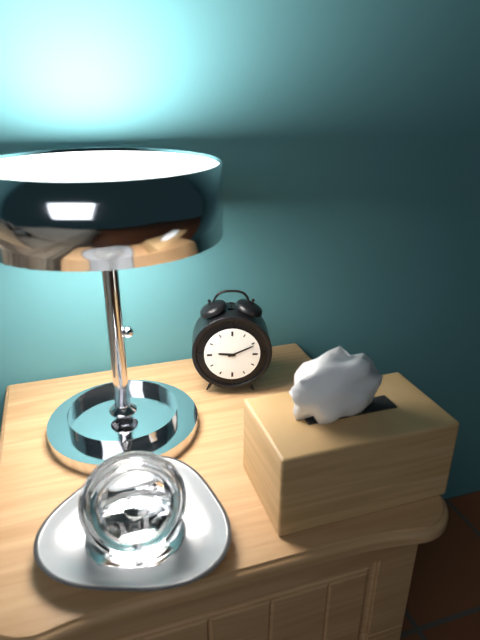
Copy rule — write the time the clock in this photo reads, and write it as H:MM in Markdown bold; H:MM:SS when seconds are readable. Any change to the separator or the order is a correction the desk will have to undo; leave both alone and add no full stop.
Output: **9:11**
